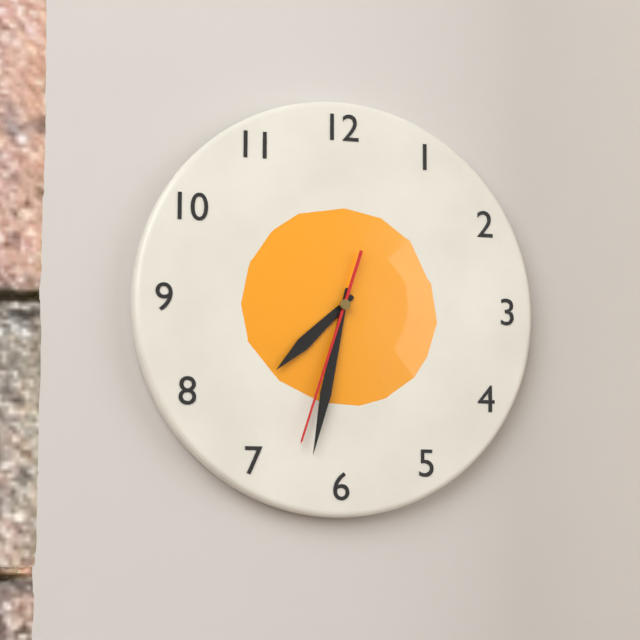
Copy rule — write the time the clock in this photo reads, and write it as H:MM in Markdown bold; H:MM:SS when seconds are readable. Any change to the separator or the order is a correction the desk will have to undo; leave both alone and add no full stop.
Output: **7:32:33**
